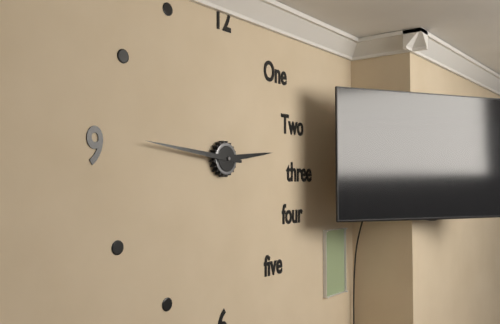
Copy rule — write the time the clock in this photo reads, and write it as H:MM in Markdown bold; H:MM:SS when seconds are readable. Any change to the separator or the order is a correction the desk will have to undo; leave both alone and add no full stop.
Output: **2:46**
